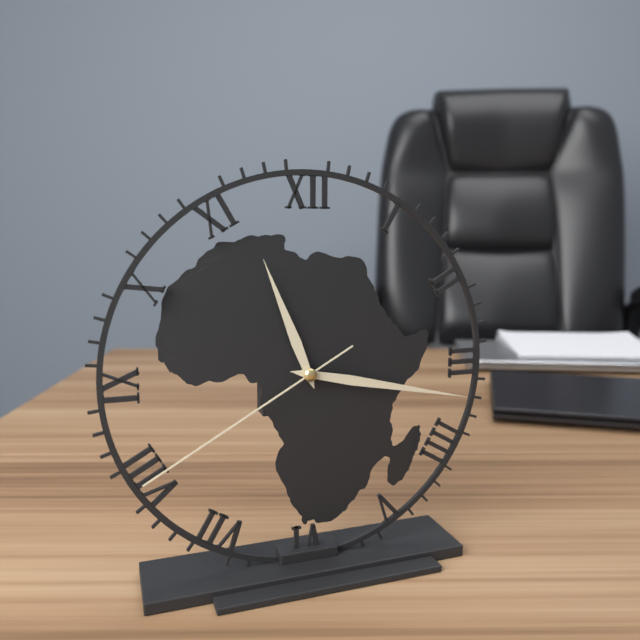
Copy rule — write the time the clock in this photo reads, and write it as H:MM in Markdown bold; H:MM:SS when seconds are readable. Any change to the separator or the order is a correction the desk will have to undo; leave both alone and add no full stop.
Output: **11:17:40**
